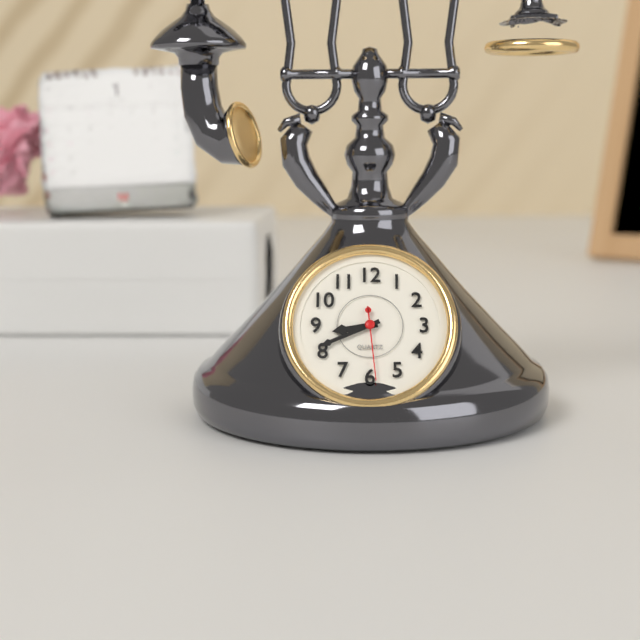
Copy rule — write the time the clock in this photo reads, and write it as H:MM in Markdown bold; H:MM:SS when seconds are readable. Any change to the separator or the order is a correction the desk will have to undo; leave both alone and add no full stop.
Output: **8:41:29**
